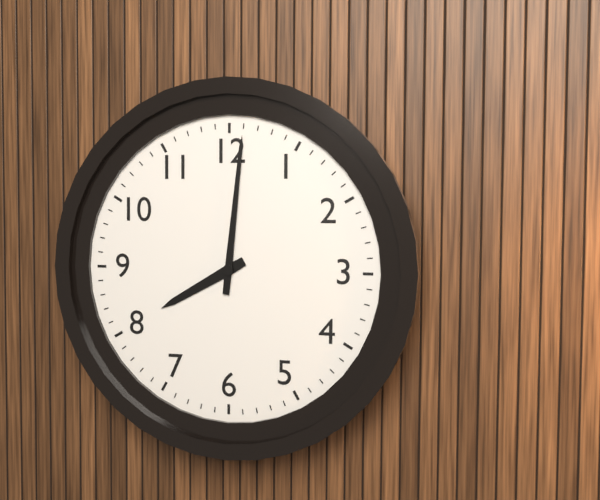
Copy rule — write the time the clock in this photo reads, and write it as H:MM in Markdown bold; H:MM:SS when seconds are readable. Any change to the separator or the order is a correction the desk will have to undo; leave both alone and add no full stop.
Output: **8:01**
